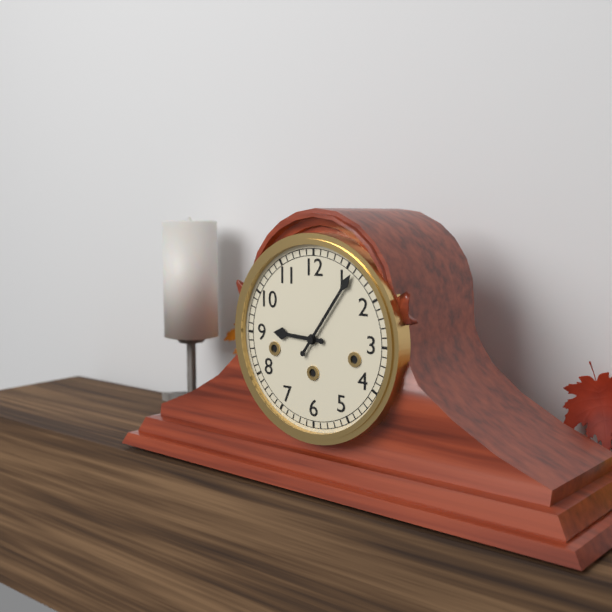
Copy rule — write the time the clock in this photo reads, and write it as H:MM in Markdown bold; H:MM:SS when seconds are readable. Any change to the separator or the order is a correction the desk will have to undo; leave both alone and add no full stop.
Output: **9:06**
